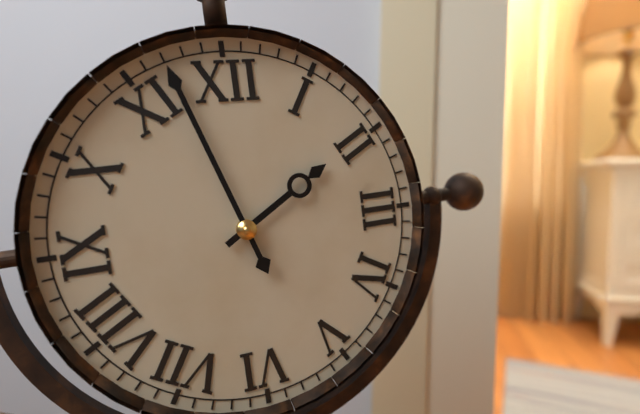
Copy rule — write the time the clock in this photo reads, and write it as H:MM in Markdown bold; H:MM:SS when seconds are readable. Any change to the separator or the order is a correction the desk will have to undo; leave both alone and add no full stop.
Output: **1:57**
